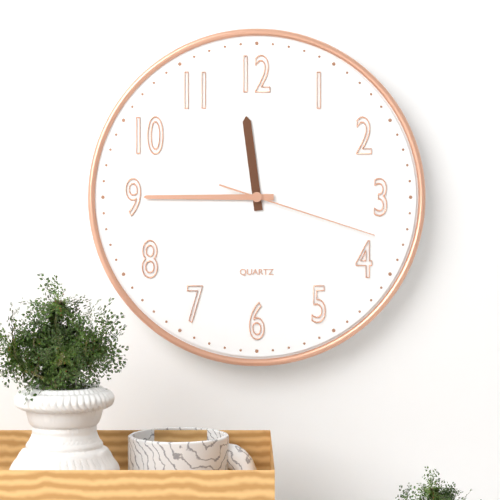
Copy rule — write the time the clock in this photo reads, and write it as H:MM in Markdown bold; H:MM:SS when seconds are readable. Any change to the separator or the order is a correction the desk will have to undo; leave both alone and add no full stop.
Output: **11:45:18**
